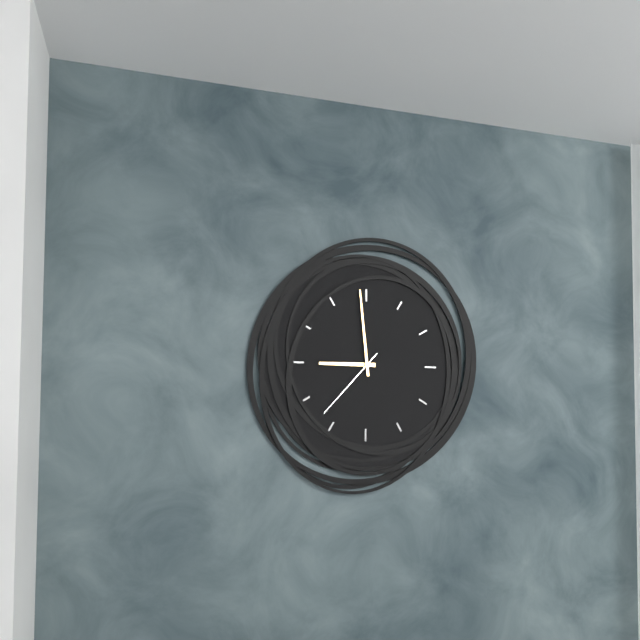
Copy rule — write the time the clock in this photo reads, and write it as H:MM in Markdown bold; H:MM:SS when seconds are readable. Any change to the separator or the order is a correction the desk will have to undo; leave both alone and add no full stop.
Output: **8:59:37**
